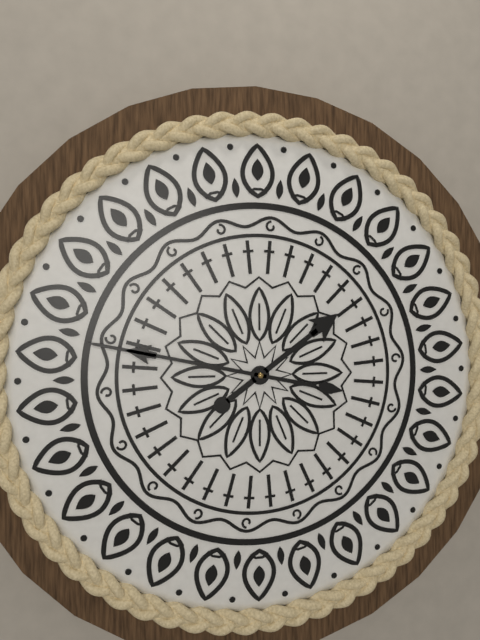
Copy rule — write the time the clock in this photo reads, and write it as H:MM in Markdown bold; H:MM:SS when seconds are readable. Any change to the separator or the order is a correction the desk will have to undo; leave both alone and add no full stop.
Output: **1:47**
